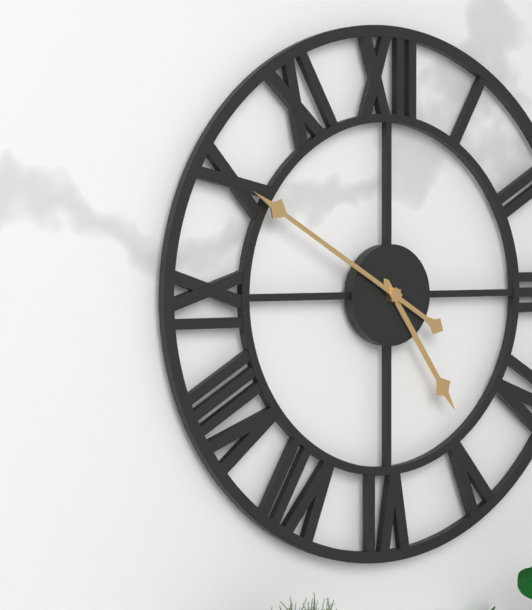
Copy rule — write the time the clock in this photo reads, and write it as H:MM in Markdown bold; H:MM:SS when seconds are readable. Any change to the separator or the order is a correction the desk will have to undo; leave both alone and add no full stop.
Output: **4:50**
